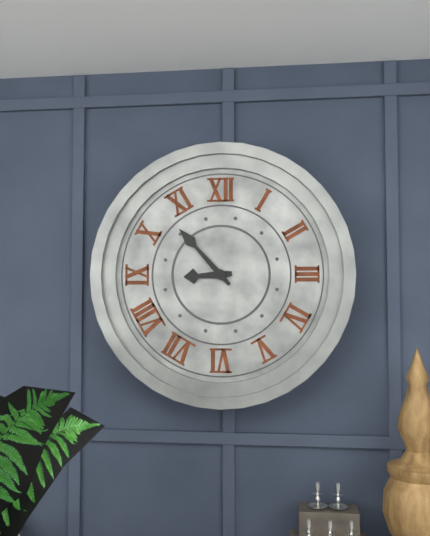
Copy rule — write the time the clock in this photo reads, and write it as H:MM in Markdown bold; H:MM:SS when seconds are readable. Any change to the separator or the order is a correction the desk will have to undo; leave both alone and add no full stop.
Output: **8:53**
